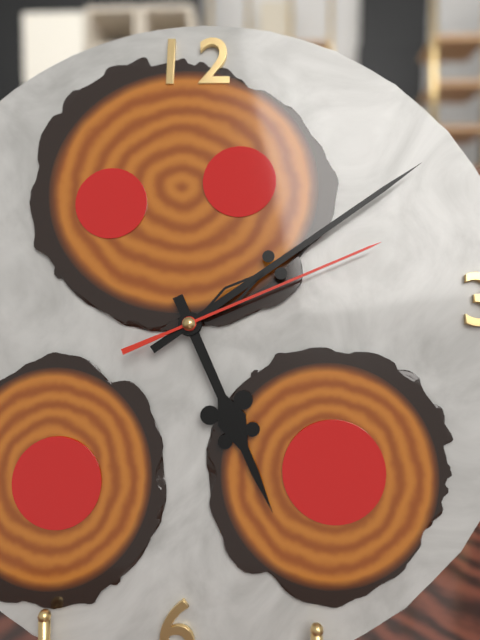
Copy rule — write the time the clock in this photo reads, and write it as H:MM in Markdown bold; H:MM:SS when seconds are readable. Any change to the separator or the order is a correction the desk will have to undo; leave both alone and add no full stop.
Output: **5:09:11**
